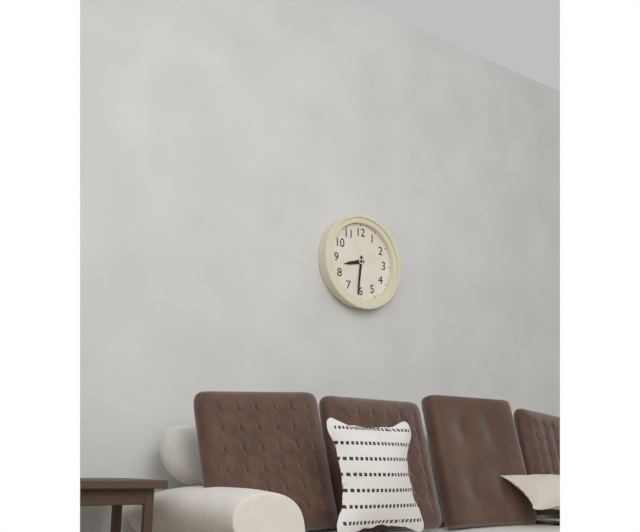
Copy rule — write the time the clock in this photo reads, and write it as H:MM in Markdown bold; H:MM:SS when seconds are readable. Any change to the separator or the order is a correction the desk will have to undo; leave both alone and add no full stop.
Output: **8:31**
